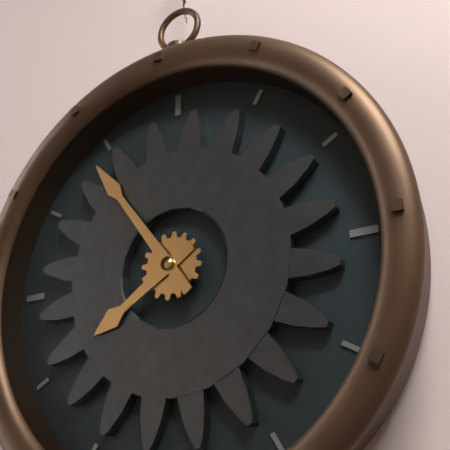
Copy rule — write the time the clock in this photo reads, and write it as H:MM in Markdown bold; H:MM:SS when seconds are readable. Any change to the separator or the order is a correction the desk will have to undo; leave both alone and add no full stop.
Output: **7:54**
